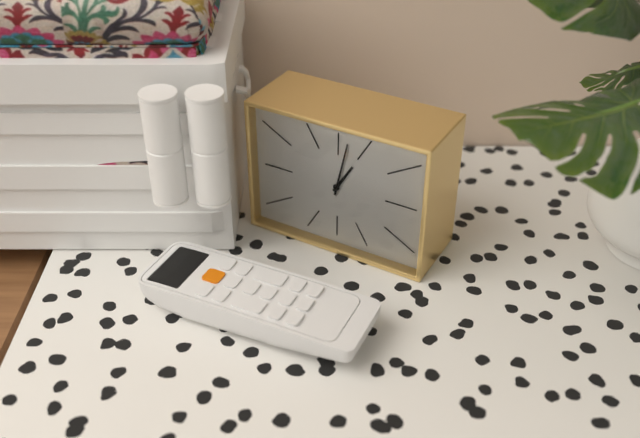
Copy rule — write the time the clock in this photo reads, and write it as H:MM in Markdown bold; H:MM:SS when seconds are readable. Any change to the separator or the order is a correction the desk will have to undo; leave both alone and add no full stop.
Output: **1:02**
